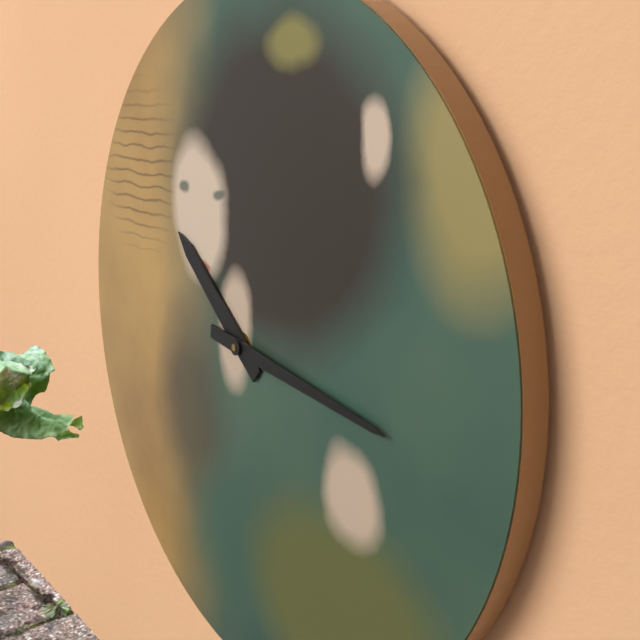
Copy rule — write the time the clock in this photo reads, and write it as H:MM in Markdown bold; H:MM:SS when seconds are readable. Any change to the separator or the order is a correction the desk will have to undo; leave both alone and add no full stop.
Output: **10:16**
